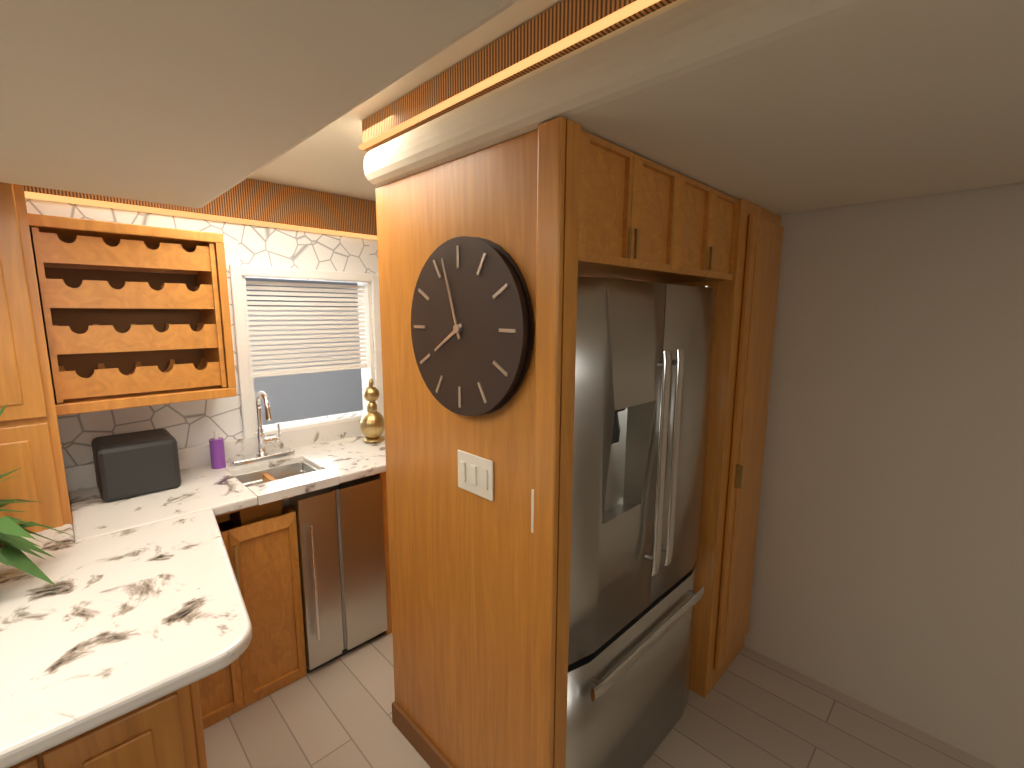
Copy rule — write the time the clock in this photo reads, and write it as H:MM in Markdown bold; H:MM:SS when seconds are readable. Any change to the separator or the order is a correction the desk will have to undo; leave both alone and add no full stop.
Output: **7:57**
